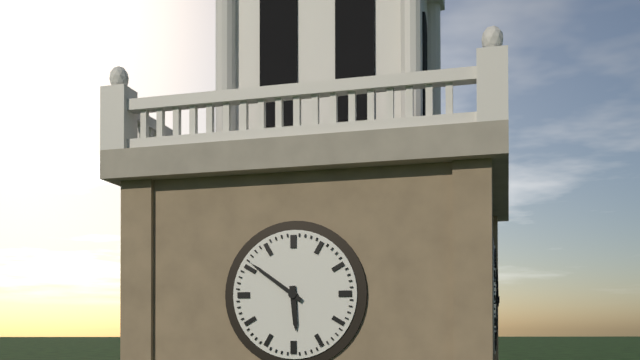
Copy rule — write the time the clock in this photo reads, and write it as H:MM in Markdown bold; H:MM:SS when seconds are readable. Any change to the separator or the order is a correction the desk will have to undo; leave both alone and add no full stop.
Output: **5:51**
